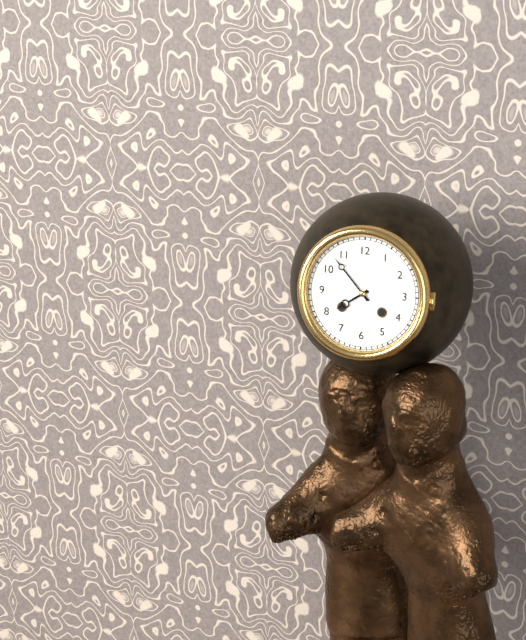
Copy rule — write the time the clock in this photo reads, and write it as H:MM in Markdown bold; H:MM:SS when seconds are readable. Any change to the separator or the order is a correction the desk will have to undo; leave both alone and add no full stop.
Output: **7:53**
